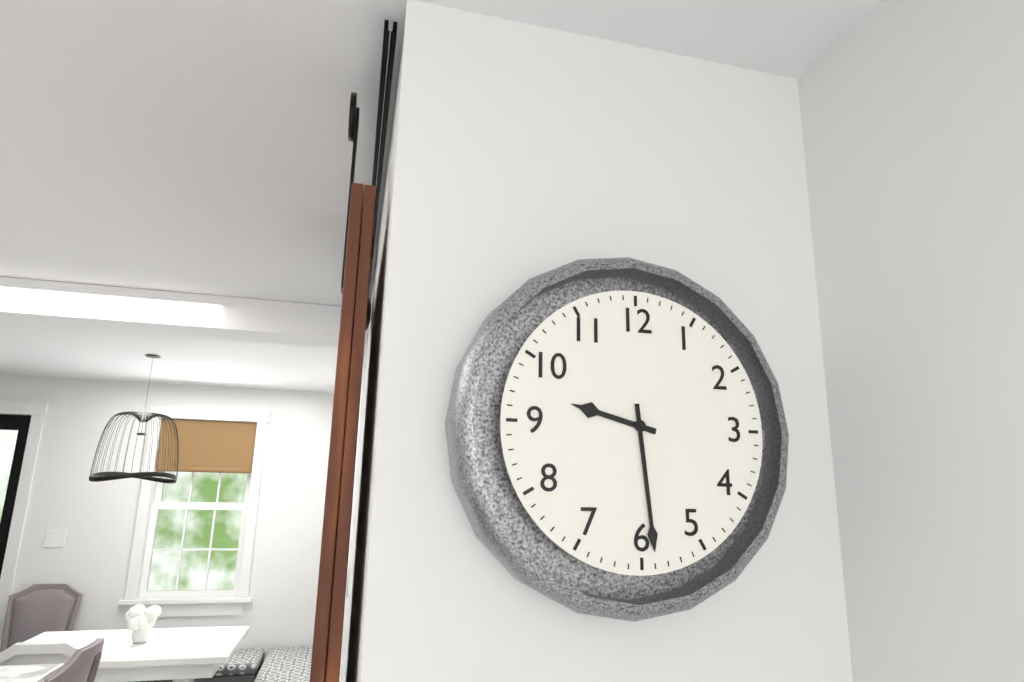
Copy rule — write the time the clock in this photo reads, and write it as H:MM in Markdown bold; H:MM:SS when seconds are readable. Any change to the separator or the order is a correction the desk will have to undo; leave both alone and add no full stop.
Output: **9:29**
